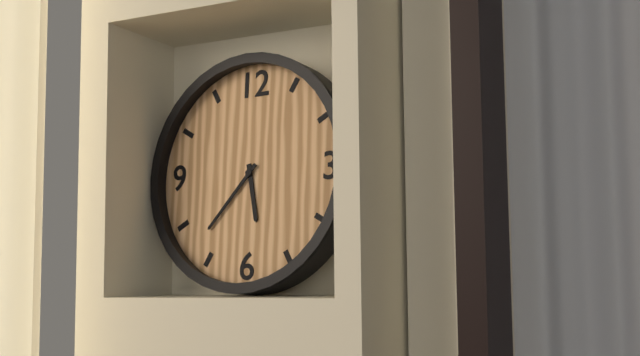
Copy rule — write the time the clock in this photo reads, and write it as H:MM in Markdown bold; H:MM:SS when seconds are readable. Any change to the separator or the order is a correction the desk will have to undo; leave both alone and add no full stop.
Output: **5:37**
